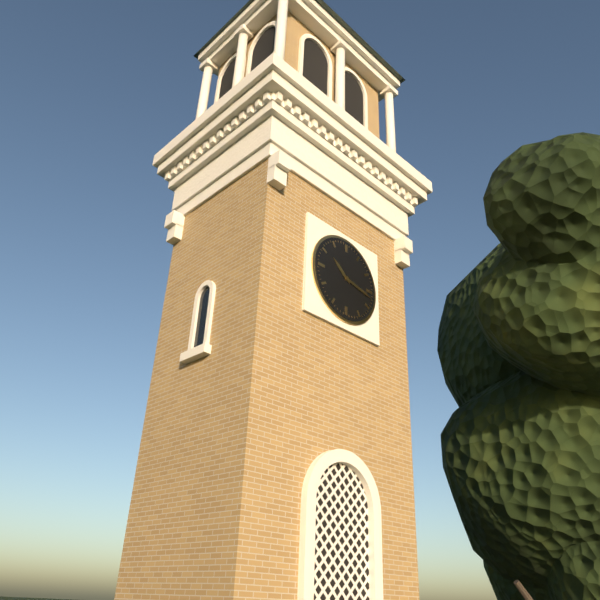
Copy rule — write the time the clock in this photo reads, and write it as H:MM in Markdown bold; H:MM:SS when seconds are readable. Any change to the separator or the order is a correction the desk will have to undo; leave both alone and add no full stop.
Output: **10:17**
